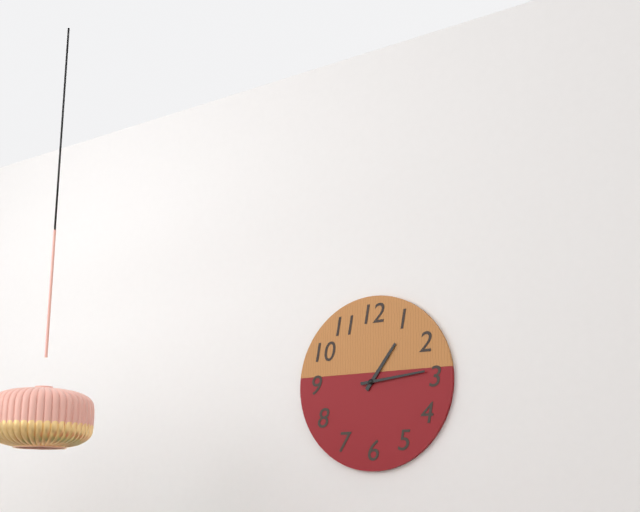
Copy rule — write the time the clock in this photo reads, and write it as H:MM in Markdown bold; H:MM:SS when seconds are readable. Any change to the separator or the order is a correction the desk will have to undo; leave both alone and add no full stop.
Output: **1:14**
